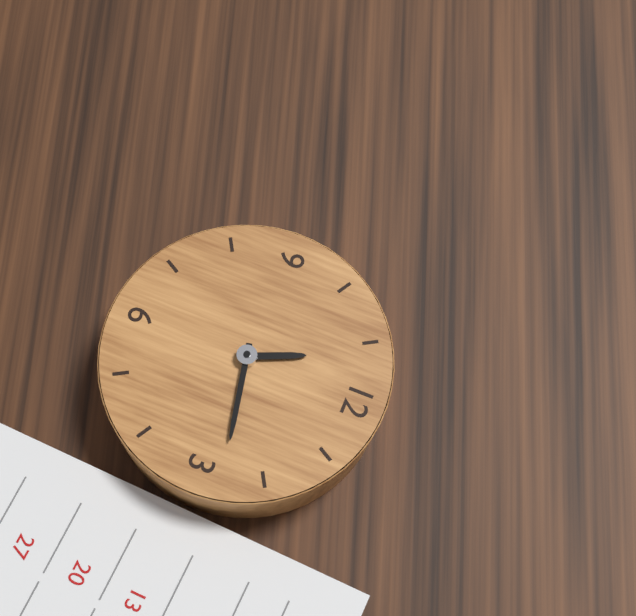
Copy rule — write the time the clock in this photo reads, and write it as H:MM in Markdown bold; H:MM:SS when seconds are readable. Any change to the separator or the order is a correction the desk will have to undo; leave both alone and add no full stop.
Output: **11:13**
